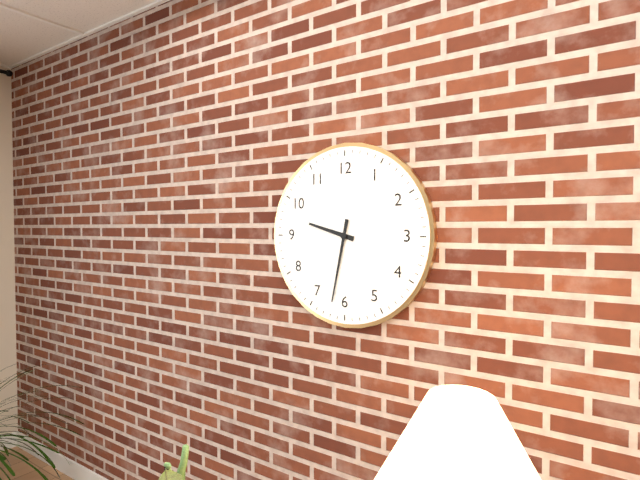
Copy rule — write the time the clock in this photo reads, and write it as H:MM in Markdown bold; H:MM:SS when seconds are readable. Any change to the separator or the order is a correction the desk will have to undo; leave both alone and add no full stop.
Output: **9:32**
